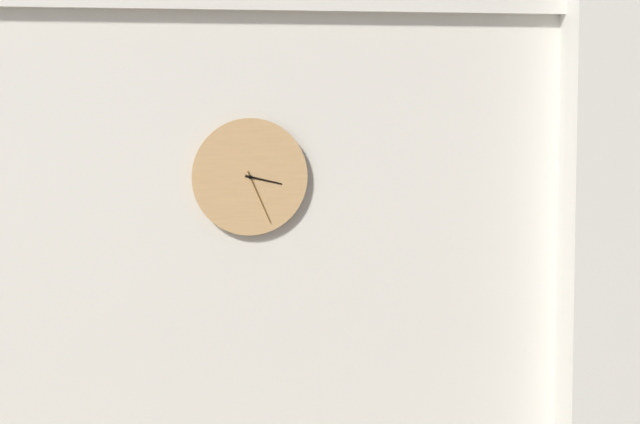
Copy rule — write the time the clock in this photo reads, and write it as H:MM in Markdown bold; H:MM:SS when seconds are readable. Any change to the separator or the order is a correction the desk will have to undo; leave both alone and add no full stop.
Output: **3:26**
